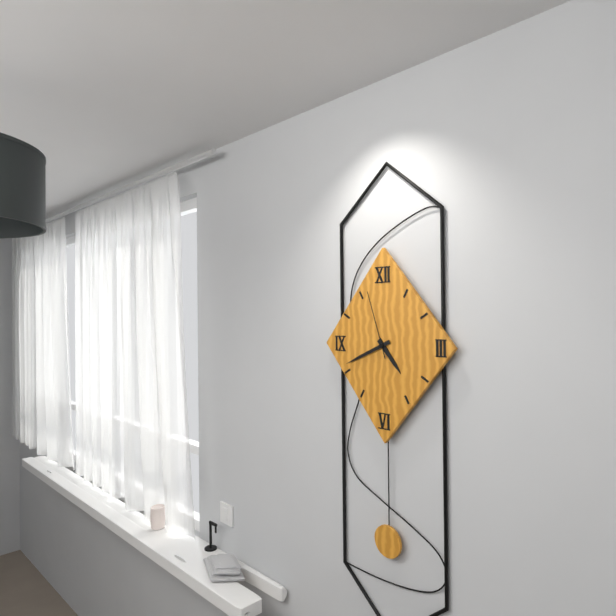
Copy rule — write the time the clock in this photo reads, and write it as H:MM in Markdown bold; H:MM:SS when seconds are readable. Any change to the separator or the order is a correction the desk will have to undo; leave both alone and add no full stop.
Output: **4:41:57**
